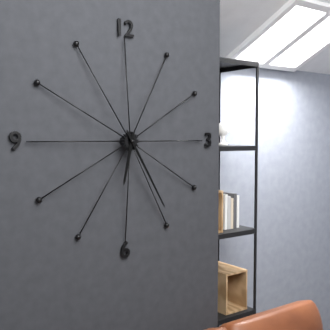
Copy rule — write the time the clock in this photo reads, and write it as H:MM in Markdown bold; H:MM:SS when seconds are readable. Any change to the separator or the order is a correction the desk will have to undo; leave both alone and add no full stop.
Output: **6:25**
